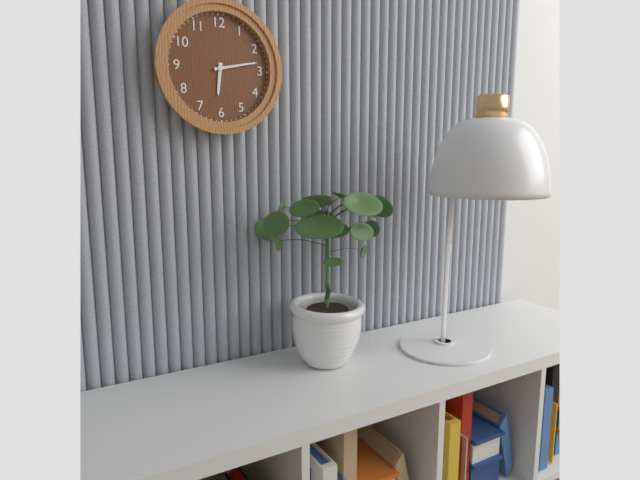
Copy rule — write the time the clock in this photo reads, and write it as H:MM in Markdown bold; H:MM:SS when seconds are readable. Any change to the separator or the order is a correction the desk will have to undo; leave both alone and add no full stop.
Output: **6:13**
